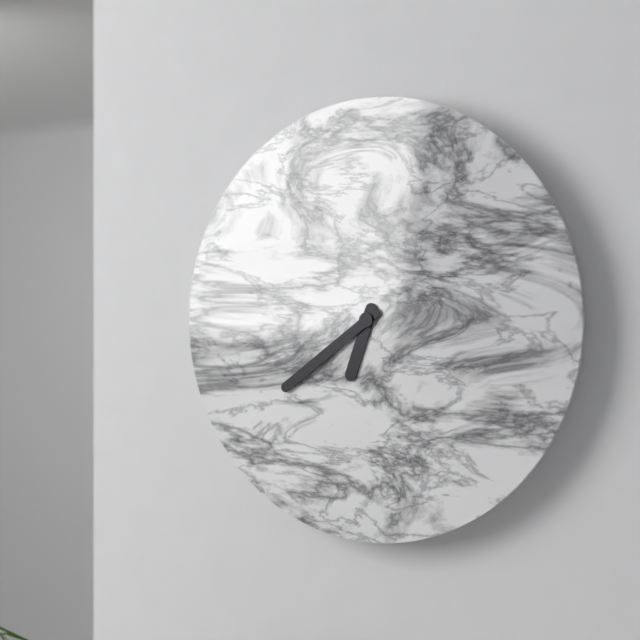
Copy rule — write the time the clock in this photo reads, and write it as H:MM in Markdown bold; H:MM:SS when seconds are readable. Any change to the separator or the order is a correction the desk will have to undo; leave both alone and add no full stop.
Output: **6:39**
